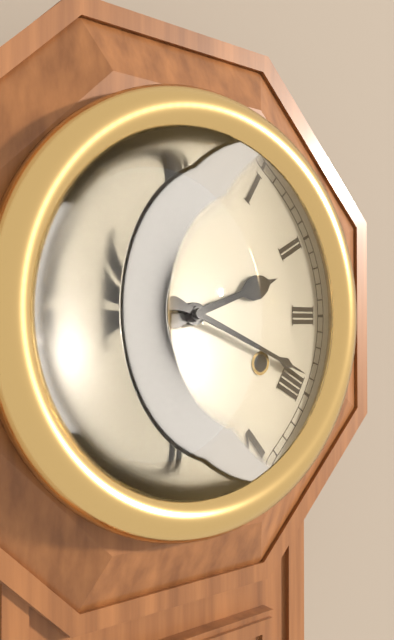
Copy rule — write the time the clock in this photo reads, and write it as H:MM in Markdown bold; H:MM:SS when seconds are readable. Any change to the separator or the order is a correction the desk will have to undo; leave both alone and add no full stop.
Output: **2:19**
